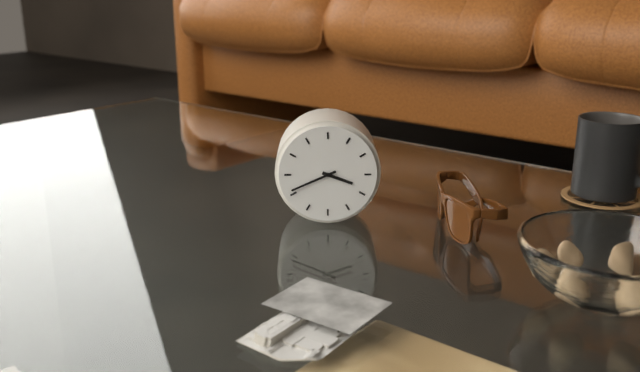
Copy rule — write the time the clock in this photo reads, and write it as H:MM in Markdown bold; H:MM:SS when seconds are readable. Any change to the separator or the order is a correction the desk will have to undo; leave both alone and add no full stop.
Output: **3:41**
